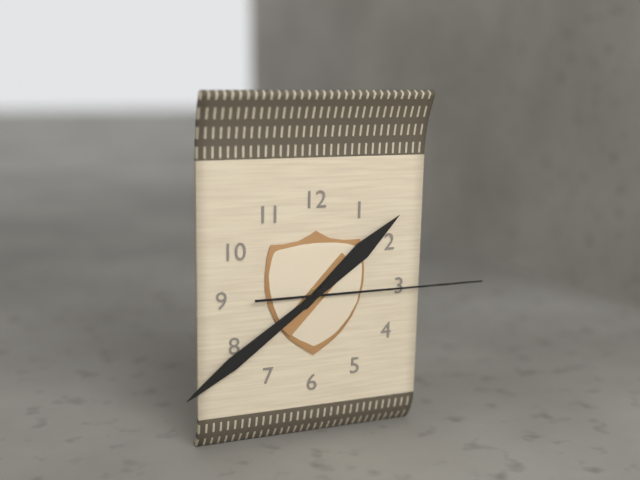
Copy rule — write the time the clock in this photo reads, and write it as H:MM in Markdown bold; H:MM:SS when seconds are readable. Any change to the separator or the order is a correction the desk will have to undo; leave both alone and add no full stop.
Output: **1:39:15**
